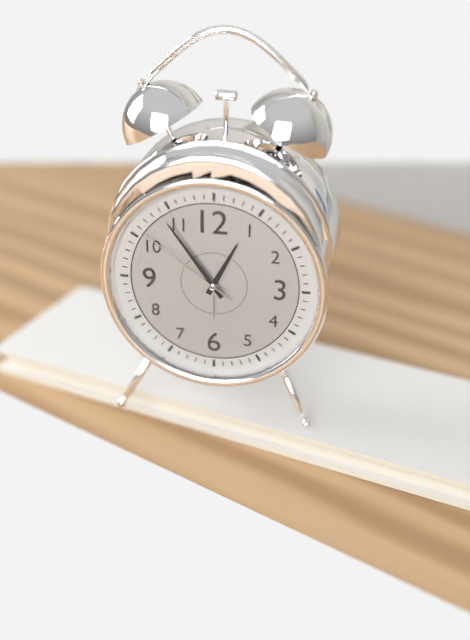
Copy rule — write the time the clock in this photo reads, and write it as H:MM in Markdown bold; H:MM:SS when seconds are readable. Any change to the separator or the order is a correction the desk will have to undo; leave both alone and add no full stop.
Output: **12:54:51**
